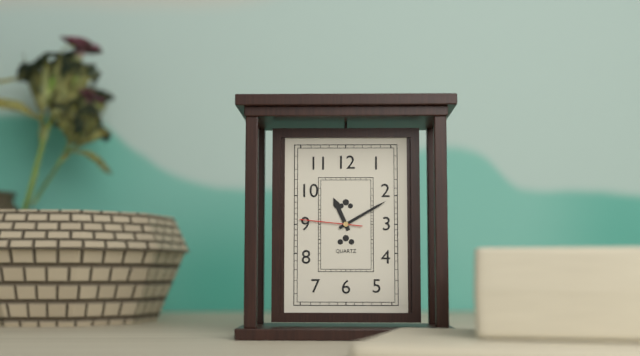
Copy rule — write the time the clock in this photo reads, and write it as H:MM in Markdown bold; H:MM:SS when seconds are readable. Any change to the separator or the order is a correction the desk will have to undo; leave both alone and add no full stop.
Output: **11:10:46**
